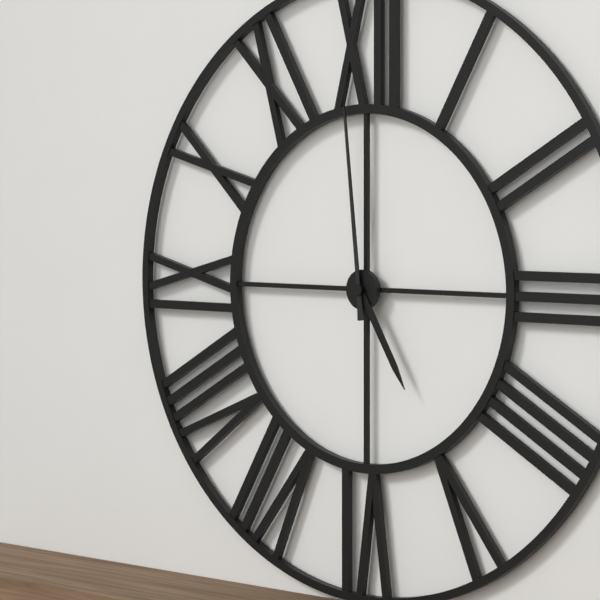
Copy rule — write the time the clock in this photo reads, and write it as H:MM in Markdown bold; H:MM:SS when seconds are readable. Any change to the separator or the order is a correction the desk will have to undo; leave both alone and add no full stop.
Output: **4:59**
